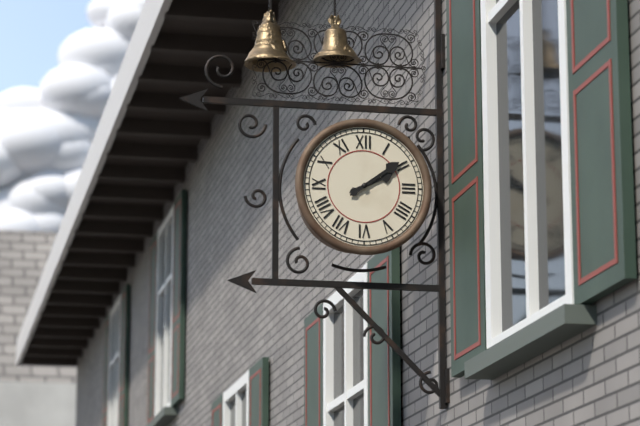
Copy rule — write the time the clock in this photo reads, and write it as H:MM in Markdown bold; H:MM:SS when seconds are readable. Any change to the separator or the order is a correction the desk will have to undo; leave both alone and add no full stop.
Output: **2:09**
